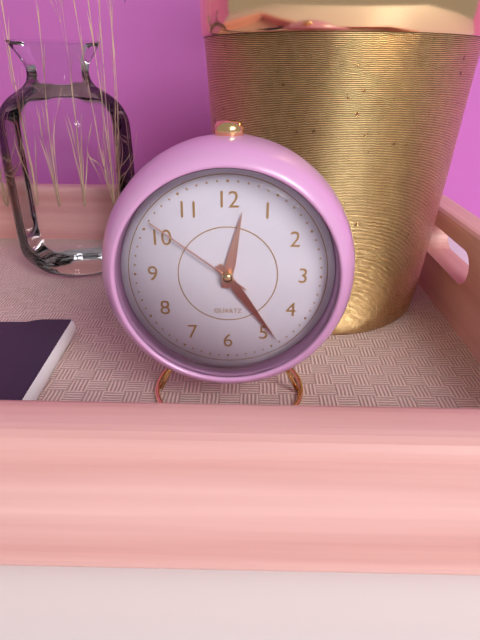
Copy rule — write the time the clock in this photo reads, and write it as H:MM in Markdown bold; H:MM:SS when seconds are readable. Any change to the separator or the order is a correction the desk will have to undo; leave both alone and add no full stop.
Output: **12:24:51**
